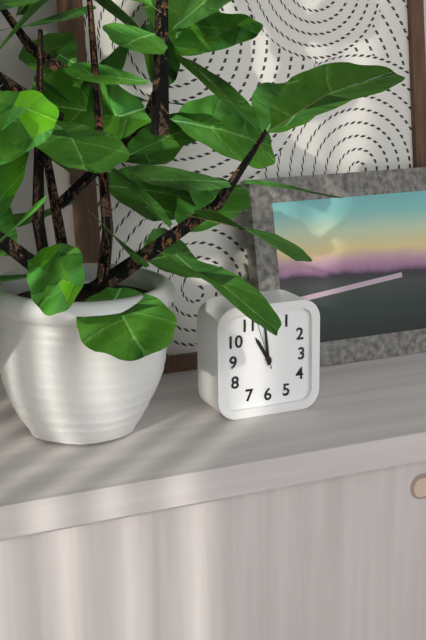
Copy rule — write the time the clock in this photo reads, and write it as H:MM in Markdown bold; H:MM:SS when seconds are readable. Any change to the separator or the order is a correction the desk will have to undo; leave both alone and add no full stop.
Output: **10:59**
